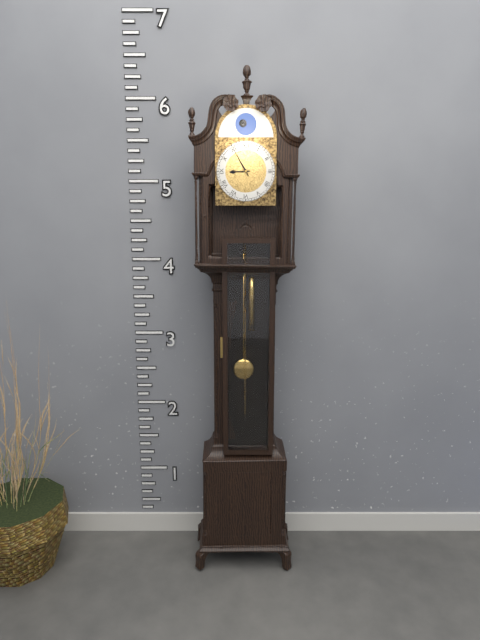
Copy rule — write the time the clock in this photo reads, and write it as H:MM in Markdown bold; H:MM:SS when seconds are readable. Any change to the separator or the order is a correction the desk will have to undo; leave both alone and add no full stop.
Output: **8:55**
